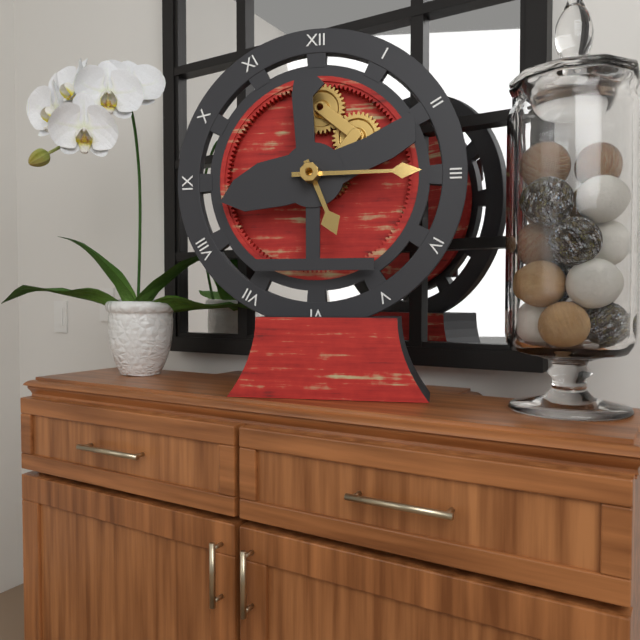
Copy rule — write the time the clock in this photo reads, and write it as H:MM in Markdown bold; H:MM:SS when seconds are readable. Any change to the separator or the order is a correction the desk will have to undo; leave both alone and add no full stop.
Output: **5:15**
